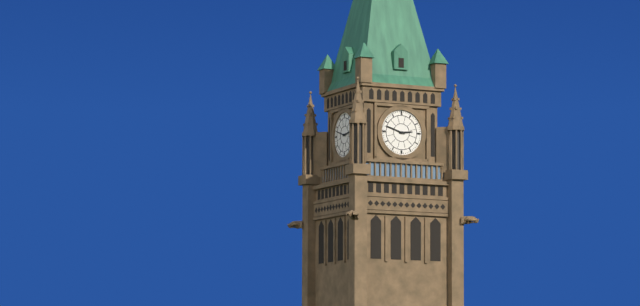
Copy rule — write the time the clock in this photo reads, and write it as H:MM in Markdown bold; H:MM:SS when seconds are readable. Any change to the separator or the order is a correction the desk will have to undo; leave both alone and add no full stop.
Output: **2:48**
